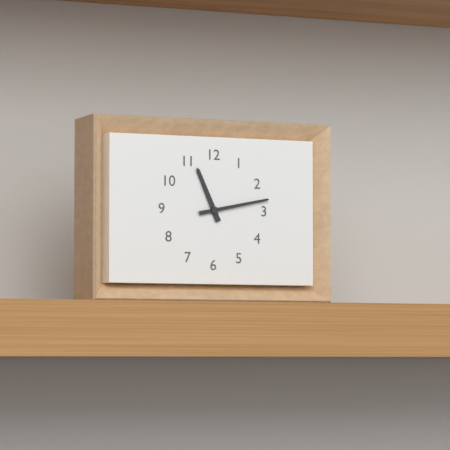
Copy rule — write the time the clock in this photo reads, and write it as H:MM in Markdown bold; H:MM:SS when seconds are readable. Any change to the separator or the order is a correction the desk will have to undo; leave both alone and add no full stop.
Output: **11:13**
